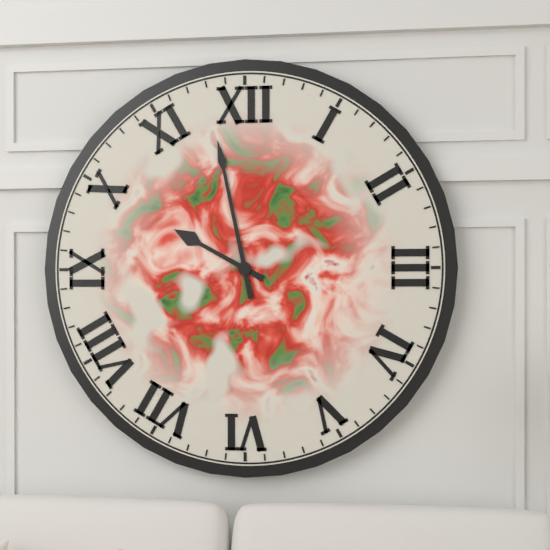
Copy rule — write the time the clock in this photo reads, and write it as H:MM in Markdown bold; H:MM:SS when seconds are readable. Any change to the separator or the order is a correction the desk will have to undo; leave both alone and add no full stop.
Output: **9:58**
